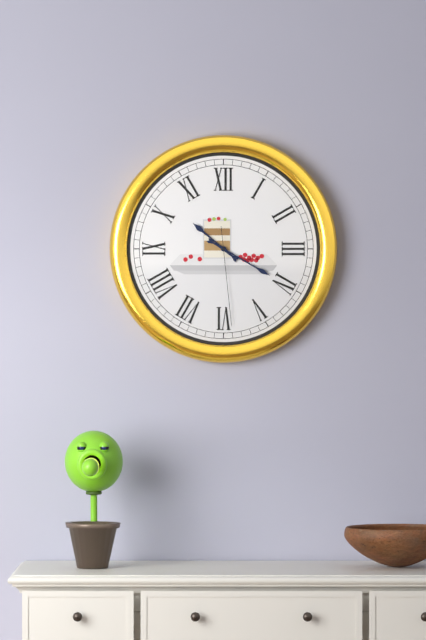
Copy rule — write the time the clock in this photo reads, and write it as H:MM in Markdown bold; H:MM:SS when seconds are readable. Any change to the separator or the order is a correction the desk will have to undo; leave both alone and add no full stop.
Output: **10:20:29**
